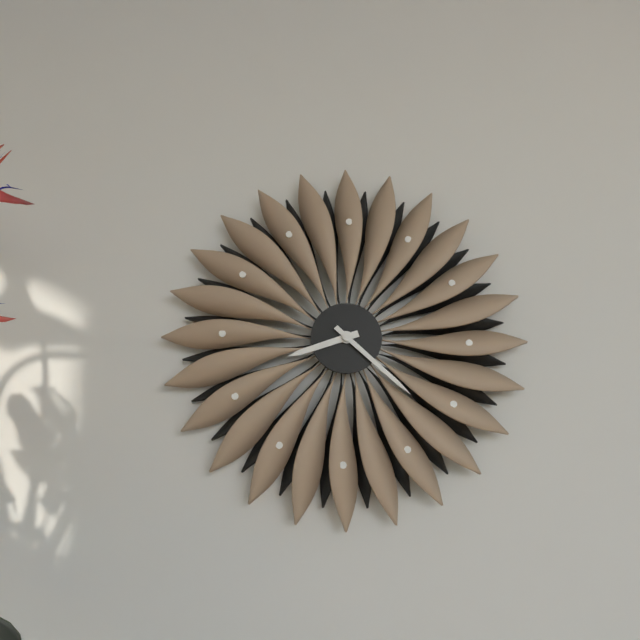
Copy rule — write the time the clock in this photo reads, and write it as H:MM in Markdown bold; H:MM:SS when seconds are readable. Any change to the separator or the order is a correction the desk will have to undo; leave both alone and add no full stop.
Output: **8:22**
